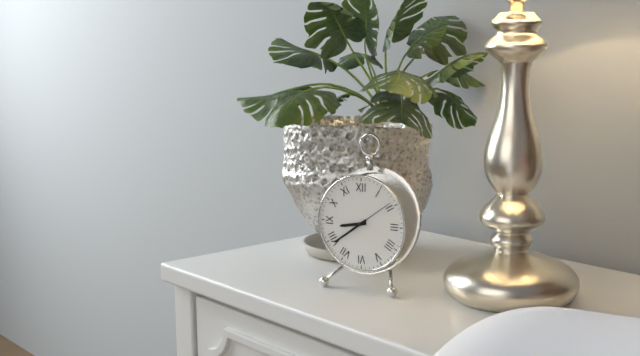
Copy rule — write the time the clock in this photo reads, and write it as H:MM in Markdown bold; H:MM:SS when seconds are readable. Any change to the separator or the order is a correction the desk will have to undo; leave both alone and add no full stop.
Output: **8:39**
